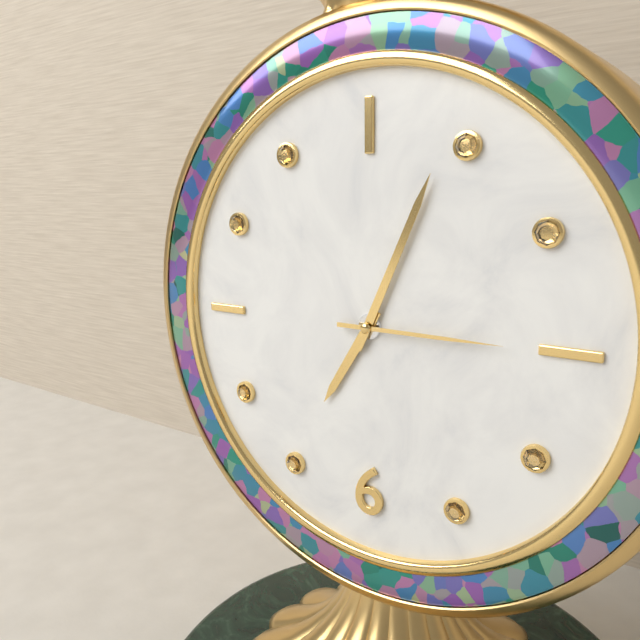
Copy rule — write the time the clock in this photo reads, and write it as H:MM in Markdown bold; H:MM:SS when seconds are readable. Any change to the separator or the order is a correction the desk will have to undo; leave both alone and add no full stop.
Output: **7:04:15**
